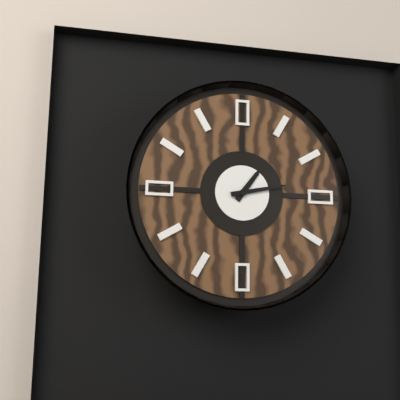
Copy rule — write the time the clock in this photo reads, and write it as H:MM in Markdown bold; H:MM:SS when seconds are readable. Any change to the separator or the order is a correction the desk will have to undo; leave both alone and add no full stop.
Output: **1:13**
